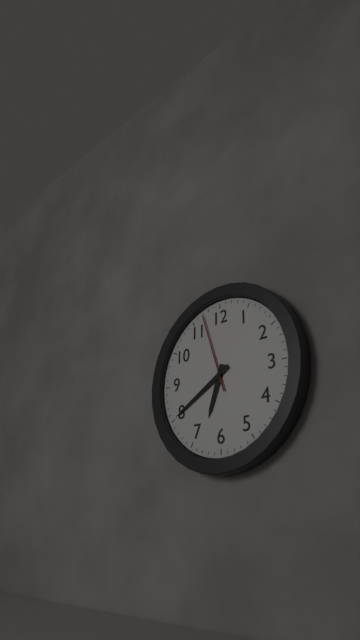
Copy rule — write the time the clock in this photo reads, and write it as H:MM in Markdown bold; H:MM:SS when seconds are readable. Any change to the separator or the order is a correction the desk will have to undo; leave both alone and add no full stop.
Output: **6:40:57**
